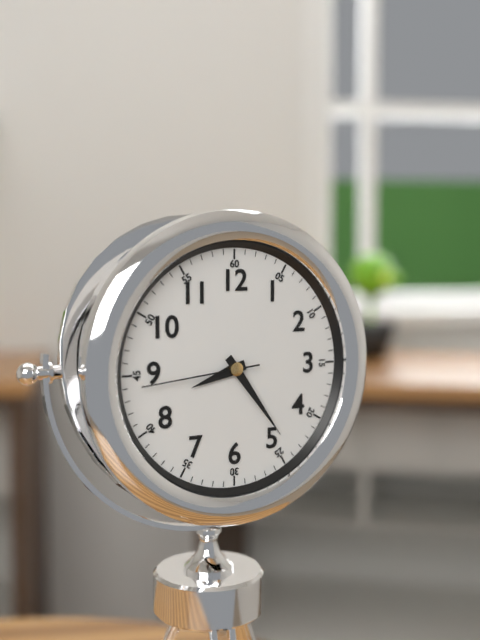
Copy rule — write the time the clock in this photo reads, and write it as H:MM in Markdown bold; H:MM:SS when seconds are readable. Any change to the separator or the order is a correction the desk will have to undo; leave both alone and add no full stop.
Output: **8:24:44**
